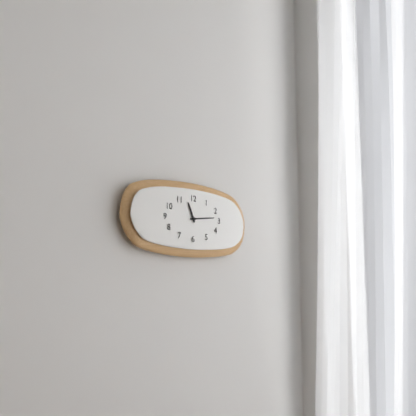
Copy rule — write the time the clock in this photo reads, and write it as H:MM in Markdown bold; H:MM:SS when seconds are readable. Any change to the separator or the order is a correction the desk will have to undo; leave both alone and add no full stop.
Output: **11:14**
